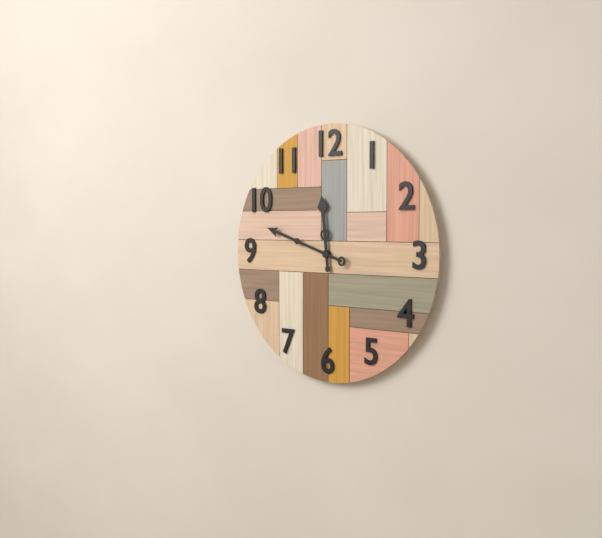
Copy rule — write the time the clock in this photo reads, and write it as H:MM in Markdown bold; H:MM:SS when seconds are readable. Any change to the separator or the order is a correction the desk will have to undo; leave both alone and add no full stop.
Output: **11:48**
